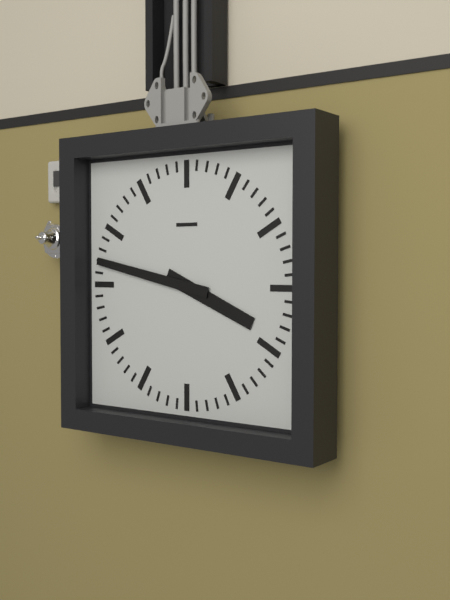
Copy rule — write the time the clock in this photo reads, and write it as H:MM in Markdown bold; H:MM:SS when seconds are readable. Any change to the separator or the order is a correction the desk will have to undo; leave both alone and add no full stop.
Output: **3:47**
